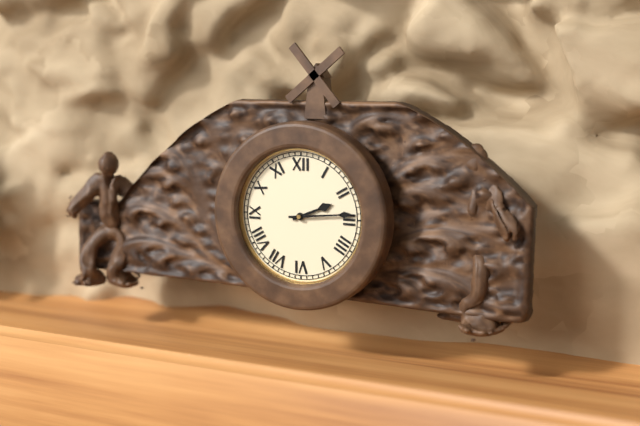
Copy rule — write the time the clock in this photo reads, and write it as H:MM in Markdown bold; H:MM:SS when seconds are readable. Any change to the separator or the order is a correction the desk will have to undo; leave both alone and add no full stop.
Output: **2:14**
